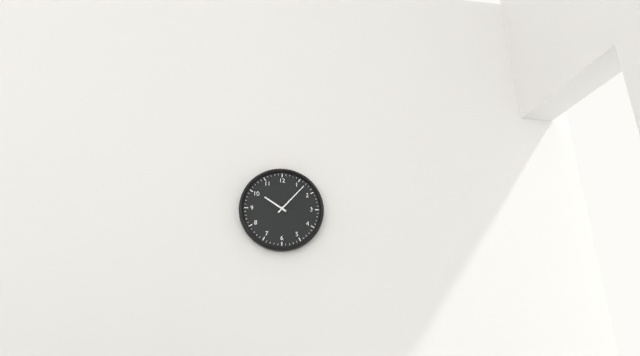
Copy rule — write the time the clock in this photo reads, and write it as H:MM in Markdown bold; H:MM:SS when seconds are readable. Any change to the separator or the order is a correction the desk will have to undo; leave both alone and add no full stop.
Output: **10:07**
